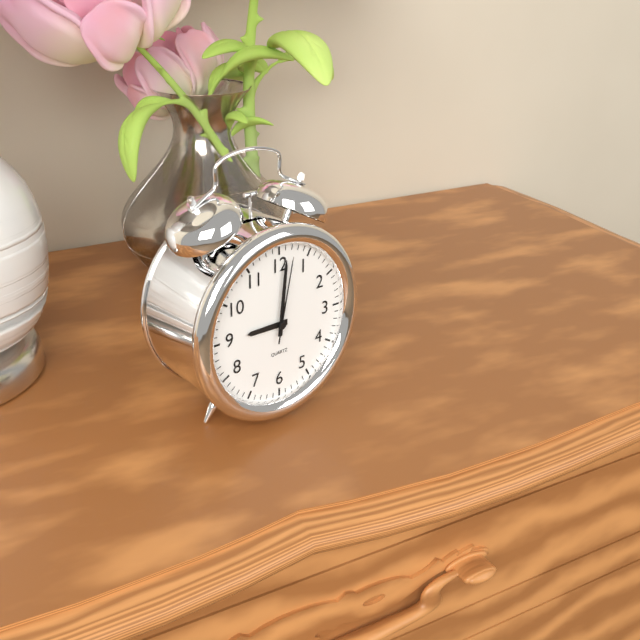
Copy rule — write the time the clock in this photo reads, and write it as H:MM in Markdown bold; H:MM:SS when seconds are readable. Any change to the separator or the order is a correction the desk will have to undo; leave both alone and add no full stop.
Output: **9:01:02**
